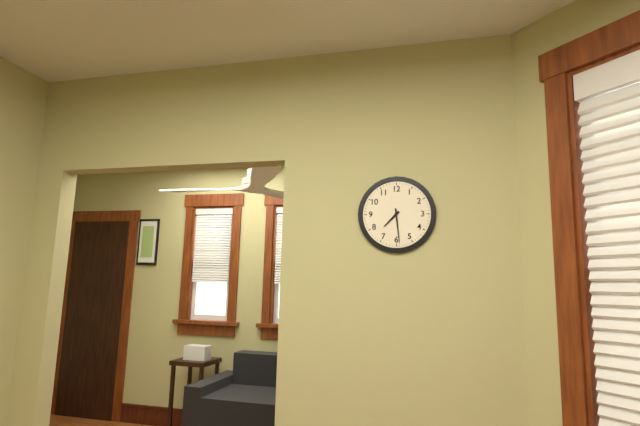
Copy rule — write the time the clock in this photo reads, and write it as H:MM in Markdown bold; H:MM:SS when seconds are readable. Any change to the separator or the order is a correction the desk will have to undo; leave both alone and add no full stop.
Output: **7:29**
